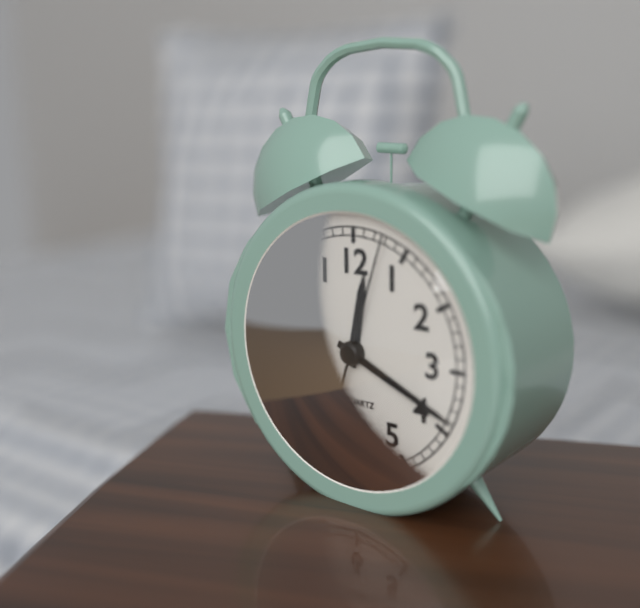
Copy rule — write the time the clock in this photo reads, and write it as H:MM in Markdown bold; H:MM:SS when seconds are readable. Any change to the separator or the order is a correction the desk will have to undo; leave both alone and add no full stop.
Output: **12:19:03**
